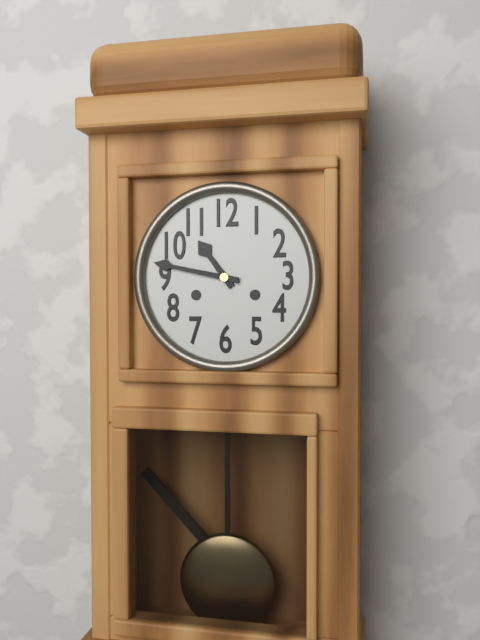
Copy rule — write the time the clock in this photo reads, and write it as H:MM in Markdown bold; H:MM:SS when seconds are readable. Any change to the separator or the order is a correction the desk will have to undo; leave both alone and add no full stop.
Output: **10:47**
